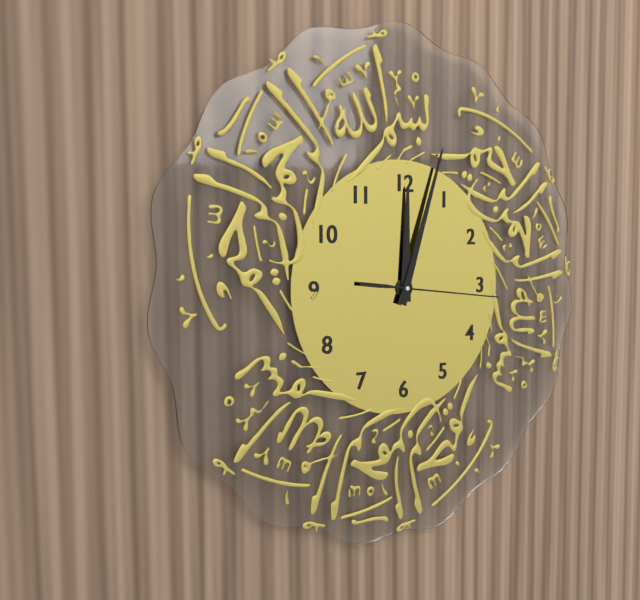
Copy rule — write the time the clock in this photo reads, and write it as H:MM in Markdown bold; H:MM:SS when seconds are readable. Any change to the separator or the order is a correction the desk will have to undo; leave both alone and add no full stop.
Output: **12:03:16**
